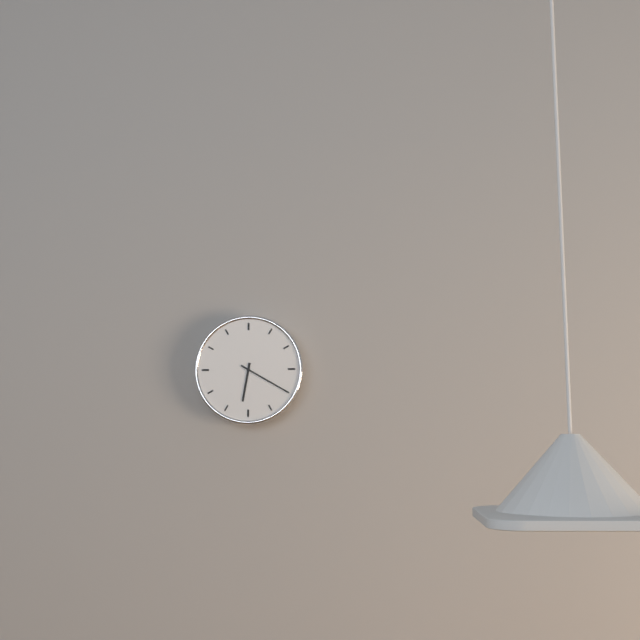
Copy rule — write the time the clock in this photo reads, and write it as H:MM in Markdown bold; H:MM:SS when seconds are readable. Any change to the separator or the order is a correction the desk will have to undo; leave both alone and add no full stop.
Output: **6:20**
